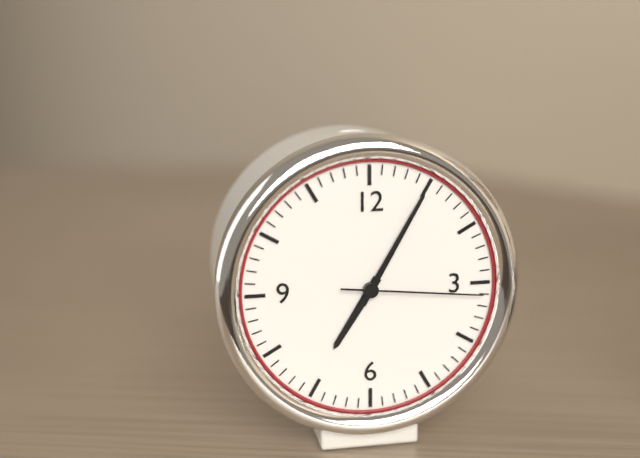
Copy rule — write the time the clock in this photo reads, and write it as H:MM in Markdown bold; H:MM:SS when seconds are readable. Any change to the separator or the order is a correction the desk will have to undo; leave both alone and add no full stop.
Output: **7:05:16**
